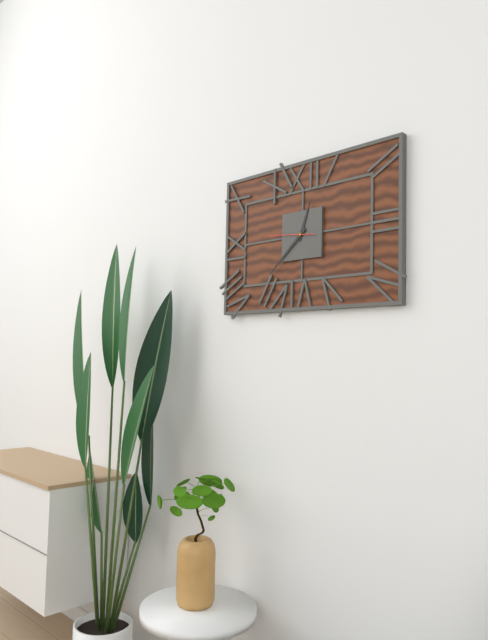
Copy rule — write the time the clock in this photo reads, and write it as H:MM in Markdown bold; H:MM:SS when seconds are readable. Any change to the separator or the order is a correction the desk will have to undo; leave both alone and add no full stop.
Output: **12:38**
